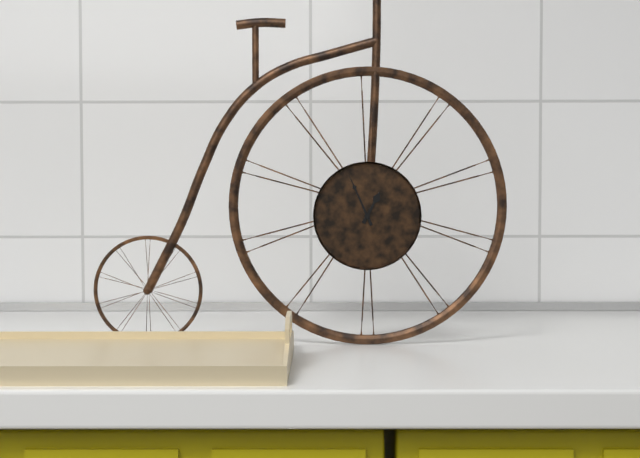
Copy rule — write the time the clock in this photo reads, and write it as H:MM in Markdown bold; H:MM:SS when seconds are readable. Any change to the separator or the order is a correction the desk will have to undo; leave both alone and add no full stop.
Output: **12:56**
